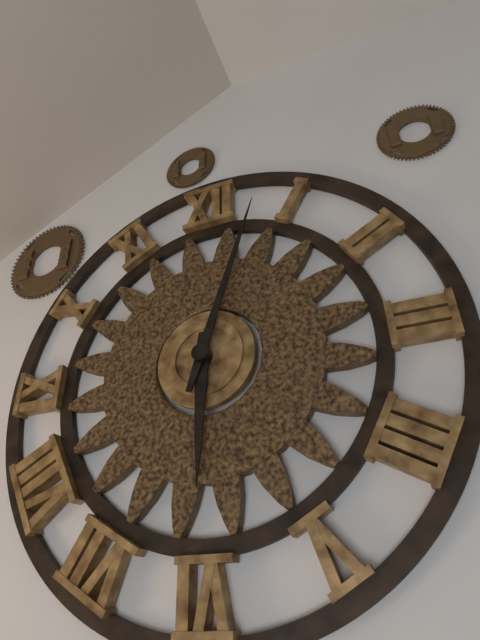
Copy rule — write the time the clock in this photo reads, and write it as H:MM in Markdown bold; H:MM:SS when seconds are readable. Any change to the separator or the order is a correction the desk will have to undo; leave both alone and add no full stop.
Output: **6:03**
